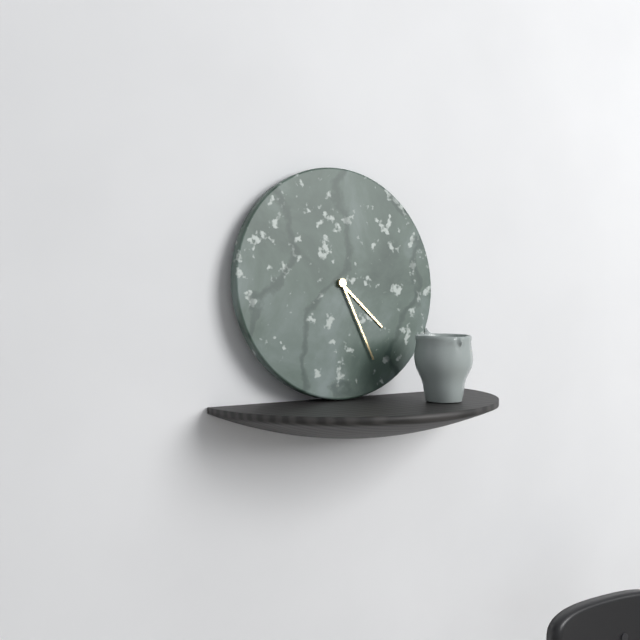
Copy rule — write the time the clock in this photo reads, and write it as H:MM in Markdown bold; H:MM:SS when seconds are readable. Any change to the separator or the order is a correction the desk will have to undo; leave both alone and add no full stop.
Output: **4:26**
